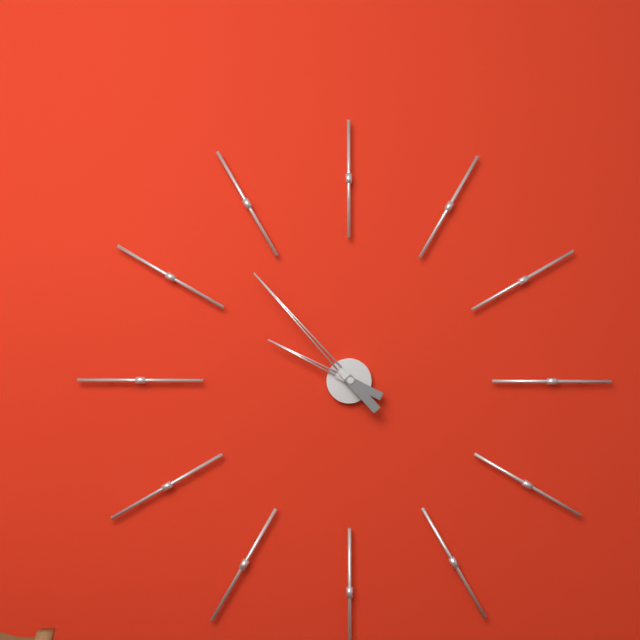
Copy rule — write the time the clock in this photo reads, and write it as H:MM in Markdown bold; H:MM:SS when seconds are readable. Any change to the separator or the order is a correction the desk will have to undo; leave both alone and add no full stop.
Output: **9:53**
